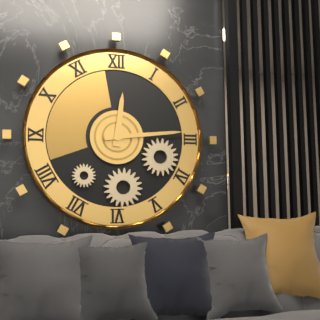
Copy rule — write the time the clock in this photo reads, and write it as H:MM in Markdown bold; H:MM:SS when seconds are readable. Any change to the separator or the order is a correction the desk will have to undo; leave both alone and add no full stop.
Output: **12:14**
